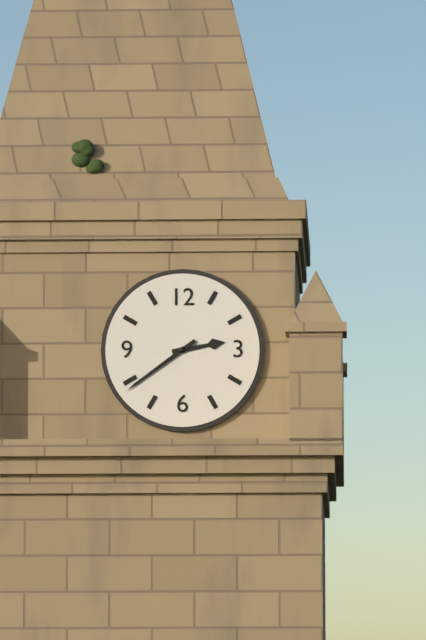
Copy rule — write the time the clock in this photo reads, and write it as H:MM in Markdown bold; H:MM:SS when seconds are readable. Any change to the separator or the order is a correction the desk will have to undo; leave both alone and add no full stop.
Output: **2:39**
